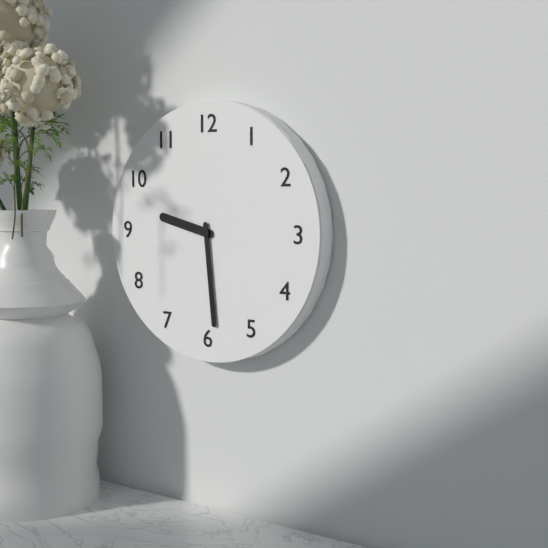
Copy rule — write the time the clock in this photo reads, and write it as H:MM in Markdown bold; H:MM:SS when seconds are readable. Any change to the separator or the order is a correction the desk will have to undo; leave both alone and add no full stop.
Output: **9:29**
